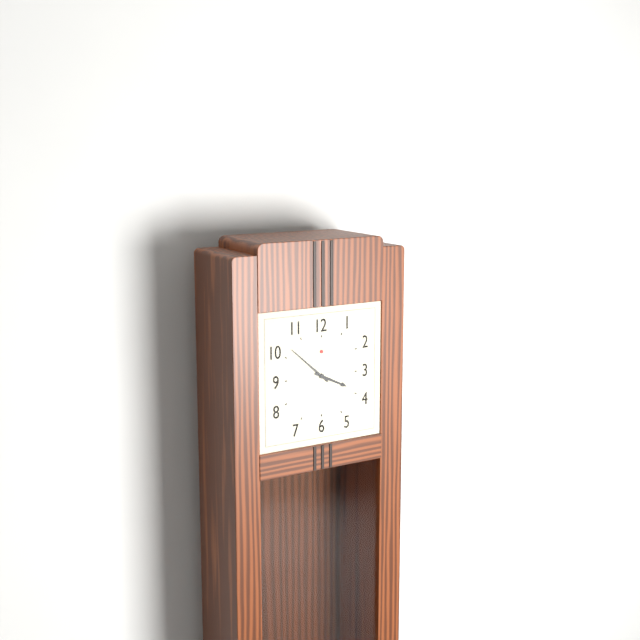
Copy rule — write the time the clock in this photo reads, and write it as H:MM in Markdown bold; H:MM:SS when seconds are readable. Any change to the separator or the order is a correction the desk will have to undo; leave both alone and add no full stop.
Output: **3:52**
